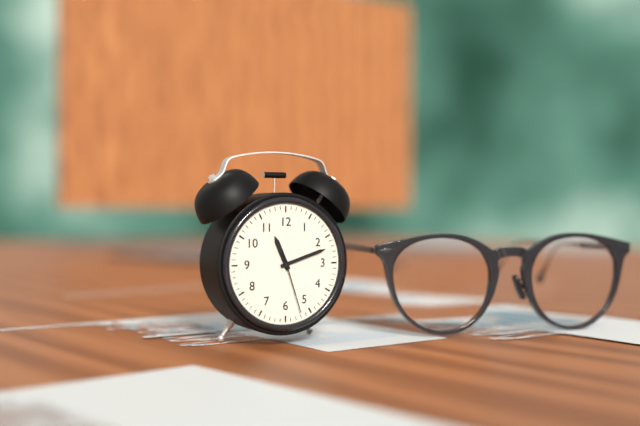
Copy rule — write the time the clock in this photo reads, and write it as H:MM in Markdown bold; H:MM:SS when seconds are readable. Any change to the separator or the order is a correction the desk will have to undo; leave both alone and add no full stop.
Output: **11:12:27**
